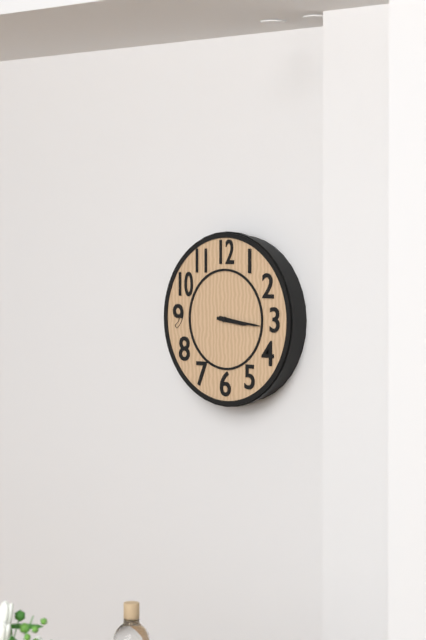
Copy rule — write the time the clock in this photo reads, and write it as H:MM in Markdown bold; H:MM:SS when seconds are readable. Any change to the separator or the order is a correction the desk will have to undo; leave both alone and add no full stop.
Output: **3:16**
